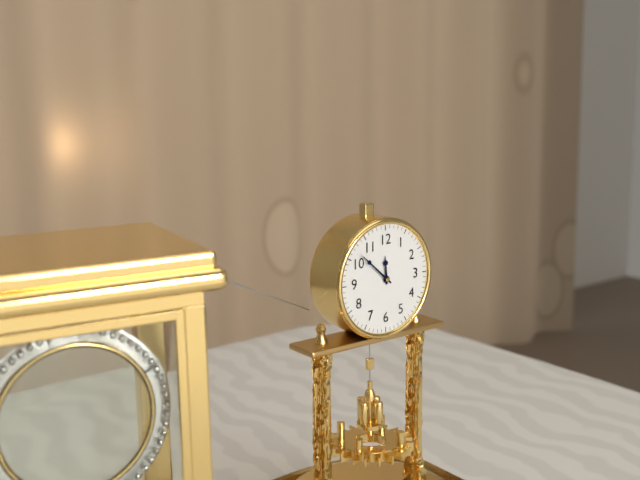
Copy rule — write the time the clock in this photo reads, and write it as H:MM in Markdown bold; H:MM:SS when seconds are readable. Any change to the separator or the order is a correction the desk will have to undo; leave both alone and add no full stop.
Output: **11:52**
